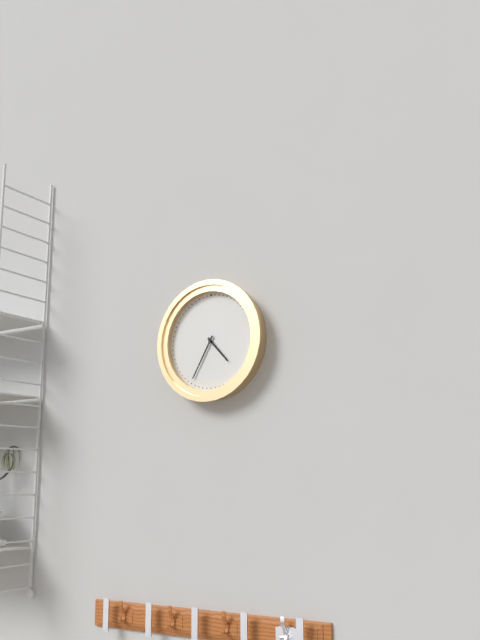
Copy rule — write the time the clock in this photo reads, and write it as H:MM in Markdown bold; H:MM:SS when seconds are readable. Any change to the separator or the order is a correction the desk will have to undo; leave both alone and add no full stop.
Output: **4:35**
